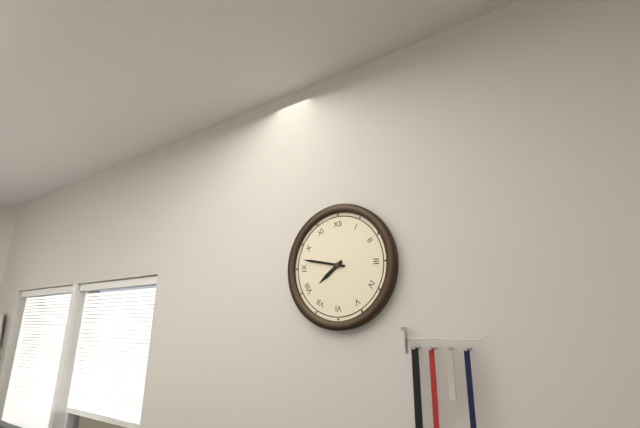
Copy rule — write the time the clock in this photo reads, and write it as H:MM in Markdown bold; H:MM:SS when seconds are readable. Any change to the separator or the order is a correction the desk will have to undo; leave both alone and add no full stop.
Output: **7:47**
